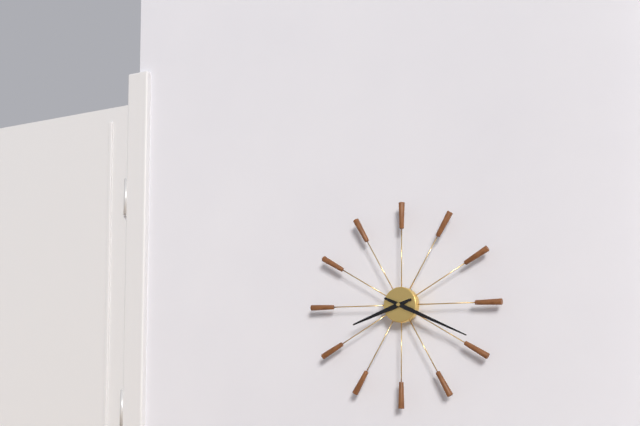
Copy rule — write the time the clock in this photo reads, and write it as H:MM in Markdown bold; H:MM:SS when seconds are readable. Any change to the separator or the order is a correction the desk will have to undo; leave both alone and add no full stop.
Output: **8:19**
